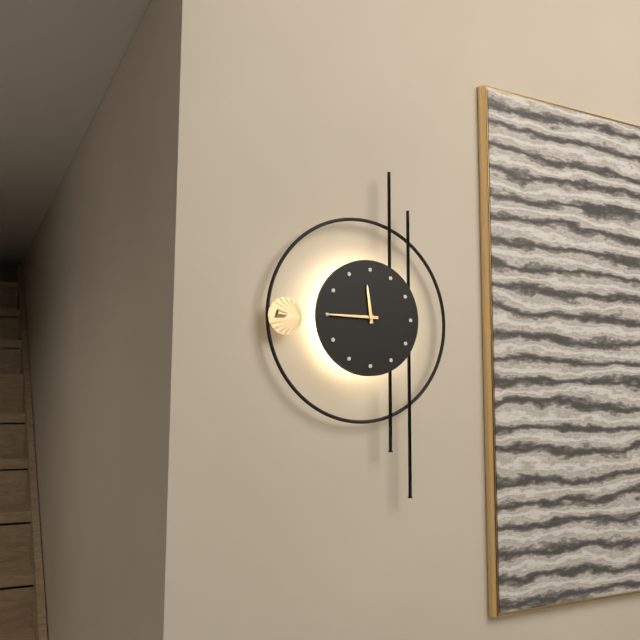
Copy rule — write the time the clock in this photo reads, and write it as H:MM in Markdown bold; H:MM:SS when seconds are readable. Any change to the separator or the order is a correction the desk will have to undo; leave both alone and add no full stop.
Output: **11:45**
